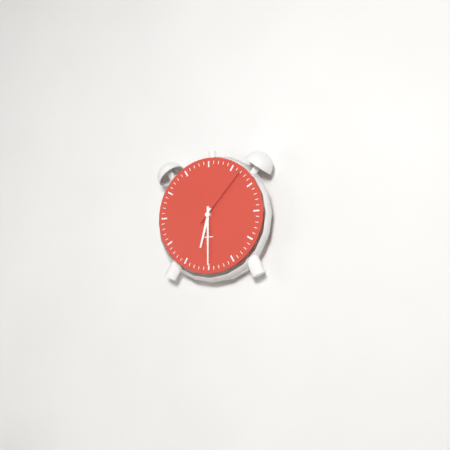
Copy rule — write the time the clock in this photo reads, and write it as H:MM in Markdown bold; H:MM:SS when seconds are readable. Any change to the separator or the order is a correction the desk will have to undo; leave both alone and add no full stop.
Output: **6:30:07**
